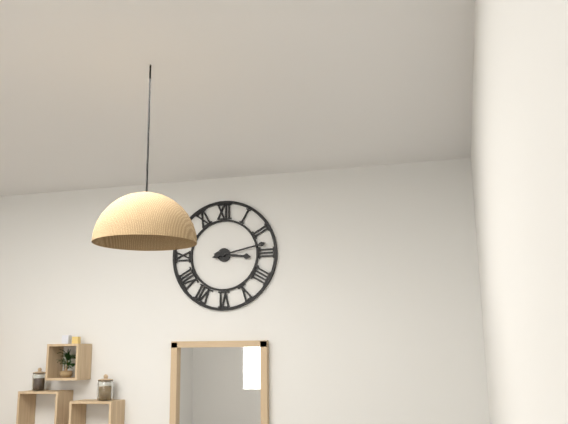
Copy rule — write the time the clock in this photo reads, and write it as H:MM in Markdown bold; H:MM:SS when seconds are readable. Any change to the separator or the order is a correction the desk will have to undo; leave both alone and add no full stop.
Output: **3:13**
